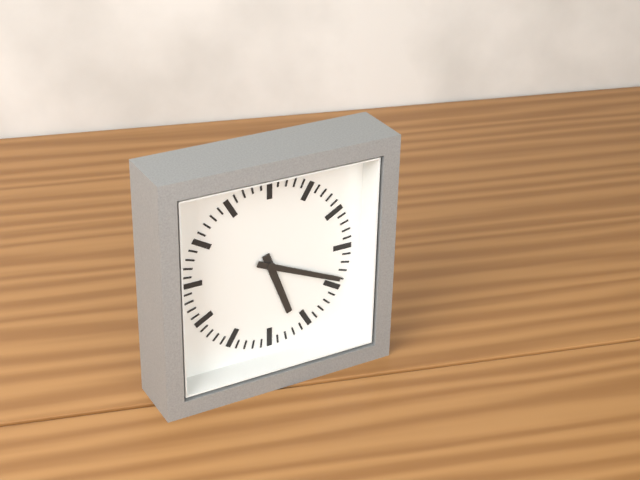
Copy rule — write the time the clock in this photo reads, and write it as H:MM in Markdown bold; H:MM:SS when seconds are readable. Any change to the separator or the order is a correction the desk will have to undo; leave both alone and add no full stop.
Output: **5:19**
